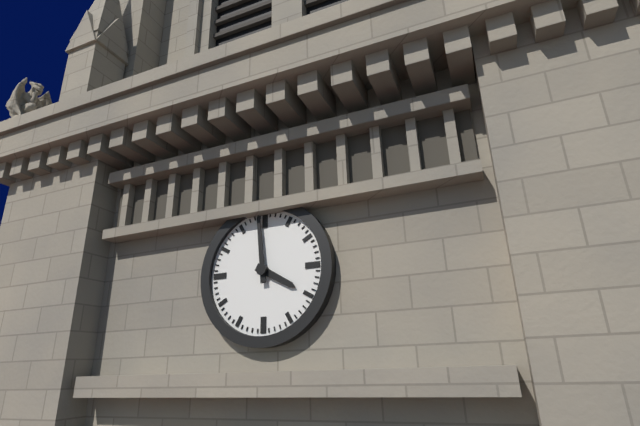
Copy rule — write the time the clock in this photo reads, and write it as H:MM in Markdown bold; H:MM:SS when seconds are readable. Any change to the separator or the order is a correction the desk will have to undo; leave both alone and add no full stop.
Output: **3:59**
